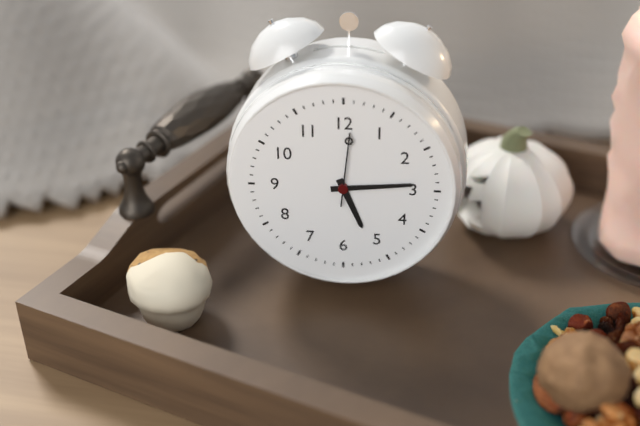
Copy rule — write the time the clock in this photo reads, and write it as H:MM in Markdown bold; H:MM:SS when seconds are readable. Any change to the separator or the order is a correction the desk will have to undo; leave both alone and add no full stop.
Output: **5:14:01**
